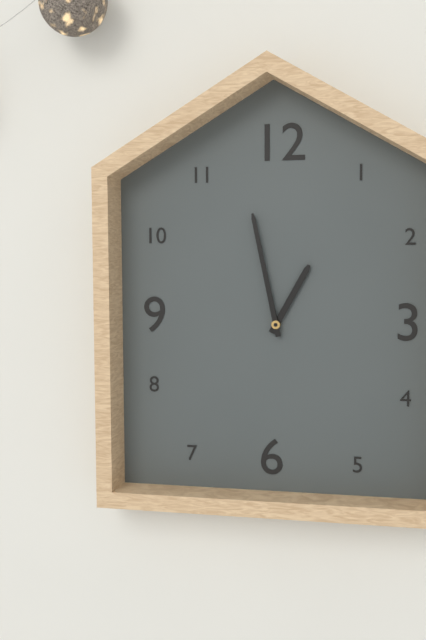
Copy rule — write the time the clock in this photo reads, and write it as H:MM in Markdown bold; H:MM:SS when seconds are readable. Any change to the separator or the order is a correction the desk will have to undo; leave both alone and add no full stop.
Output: **12:58**
